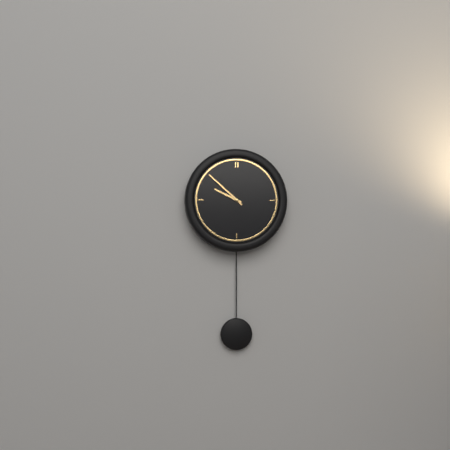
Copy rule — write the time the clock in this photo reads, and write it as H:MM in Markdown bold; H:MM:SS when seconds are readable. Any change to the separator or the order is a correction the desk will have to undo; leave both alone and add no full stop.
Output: **9:52**
